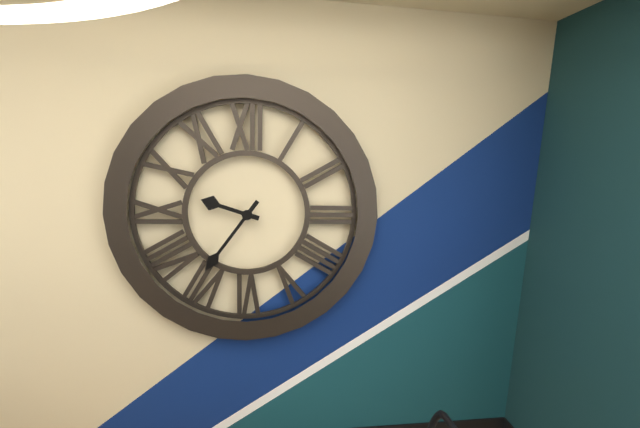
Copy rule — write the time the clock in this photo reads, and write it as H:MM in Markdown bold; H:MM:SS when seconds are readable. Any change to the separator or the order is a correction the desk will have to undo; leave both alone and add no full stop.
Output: **9:36**
